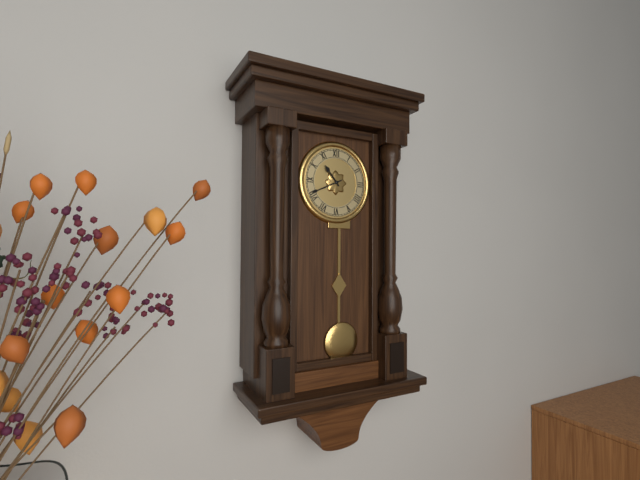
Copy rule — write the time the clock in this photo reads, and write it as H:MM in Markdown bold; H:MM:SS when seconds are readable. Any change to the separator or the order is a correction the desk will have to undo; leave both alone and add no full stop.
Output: **10:41**
